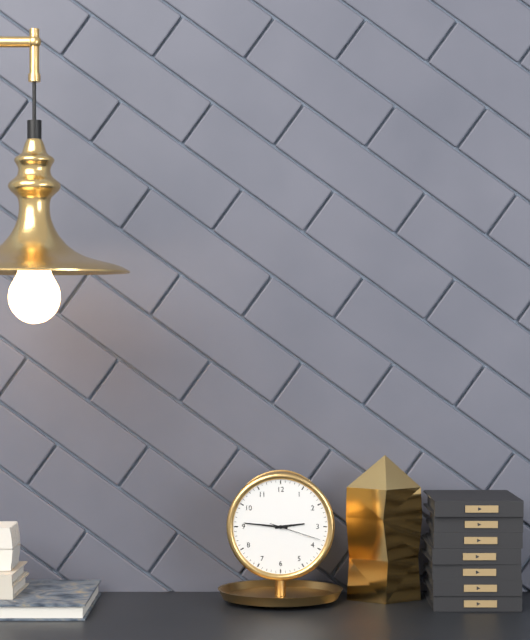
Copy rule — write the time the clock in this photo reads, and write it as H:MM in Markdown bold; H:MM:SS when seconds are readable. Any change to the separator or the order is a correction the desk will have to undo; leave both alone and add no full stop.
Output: **2:46:18**
